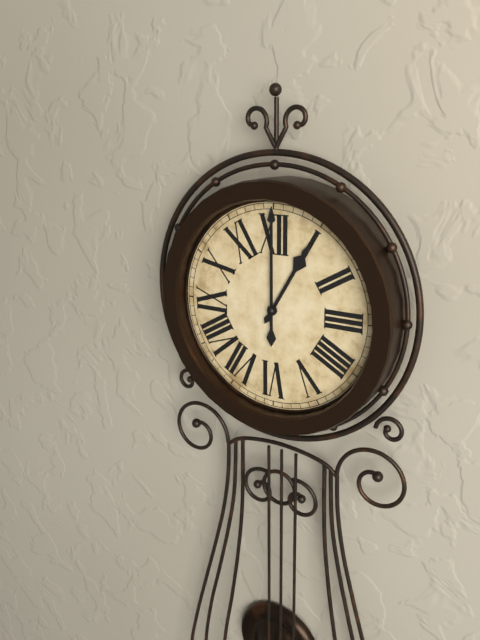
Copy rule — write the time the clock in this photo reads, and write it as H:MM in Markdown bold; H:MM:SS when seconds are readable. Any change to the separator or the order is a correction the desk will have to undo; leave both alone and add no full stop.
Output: **1:00**
